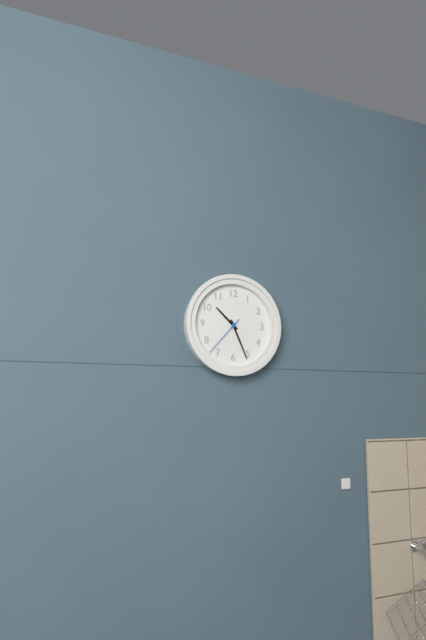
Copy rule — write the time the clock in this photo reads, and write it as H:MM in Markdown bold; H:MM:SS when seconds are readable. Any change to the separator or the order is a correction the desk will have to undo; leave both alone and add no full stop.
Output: **10:26**
